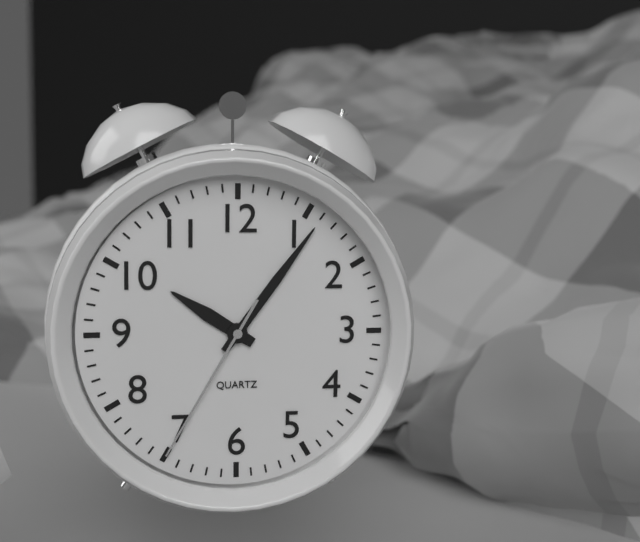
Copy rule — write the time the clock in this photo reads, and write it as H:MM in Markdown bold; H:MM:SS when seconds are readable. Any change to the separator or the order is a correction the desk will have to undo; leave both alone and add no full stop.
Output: **10:06:35**
